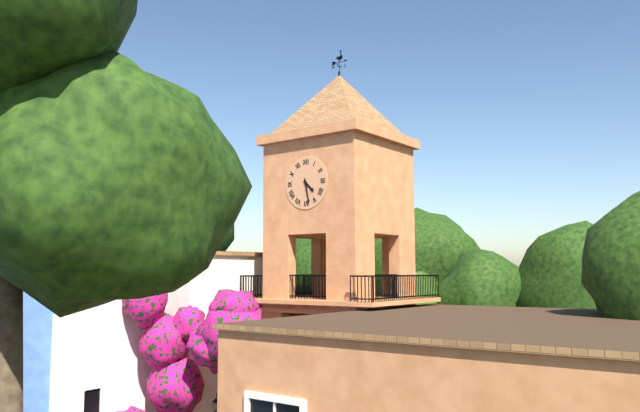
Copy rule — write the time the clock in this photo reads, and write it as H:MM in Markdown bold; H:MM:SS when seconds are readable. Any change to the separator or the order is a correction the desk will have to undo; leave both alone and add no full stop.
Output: **4:28**
